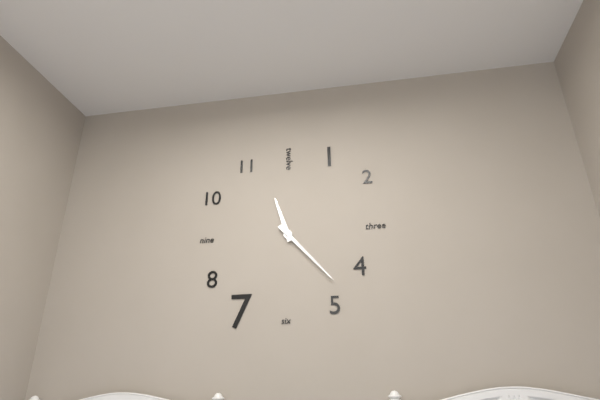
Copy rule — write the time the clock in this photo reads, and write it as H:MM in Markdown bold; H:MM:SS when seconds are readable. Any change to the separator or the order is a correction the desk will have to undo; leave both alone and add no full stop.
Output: **11:23**
